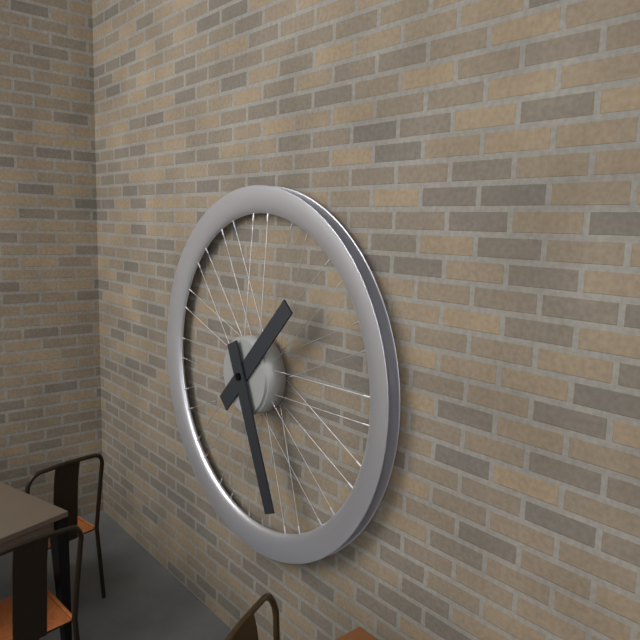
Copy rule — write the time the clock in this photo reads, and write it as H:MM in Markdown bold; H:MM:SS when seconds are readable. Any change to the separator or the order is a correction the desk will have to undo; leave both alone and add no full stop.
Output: **1:26**
